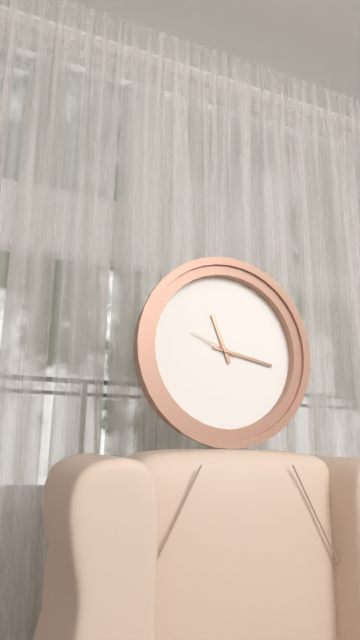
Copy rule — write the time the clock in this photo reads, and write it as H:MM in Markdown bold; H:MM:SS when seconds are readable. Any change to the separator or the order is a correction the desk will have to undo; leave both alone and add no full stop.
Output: **11:17**
